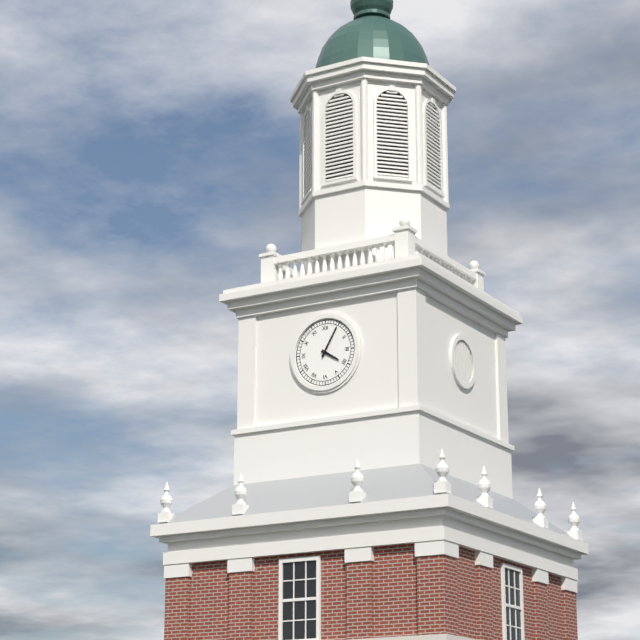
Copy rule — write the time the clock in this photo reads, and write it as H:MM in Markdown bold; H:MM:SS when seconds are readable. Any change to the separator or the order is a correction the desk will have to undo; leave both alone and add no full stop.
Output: **4:05**
